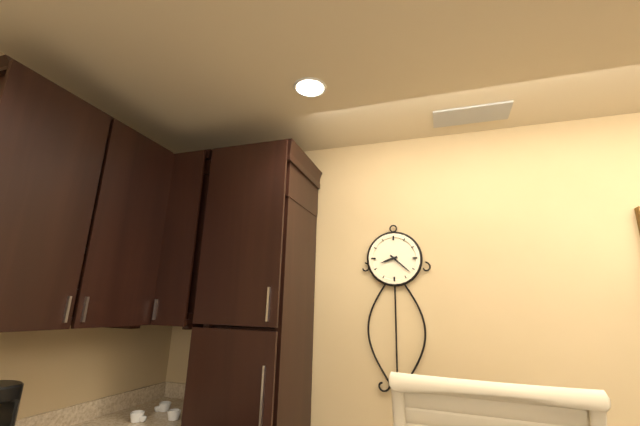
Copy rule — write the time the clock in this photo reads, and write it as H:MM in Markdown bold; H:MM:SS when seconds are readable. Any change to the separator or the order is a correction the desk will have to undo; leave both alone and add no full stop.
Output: **8:22**
